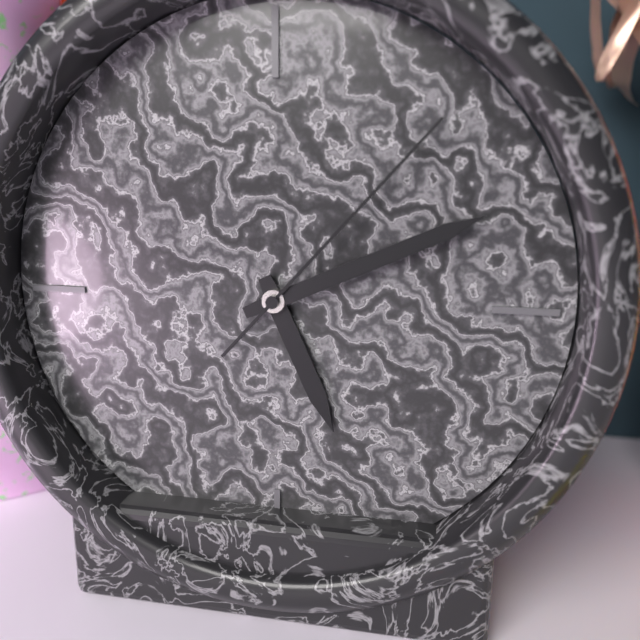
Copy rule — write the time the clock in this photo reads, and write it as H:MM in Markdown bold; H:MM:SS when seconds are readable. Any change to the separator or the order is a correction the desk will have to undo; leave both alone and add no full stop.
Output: **5:11:07**
